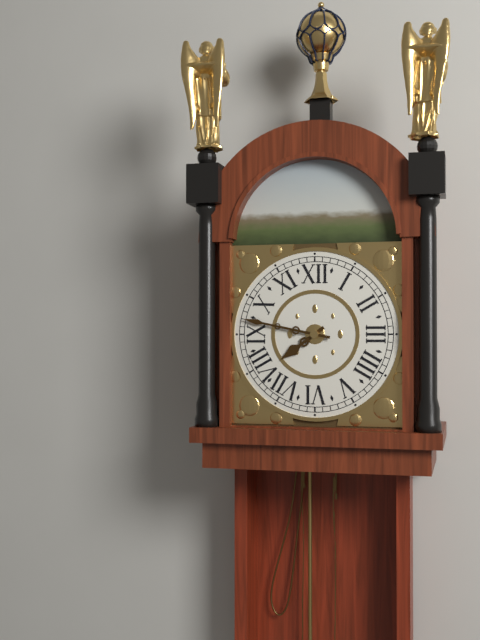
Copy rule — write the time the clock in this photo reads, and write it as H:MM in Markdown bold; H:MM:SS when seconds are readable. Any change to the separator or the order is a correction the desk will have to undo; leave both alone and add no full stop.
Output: **7:47**
